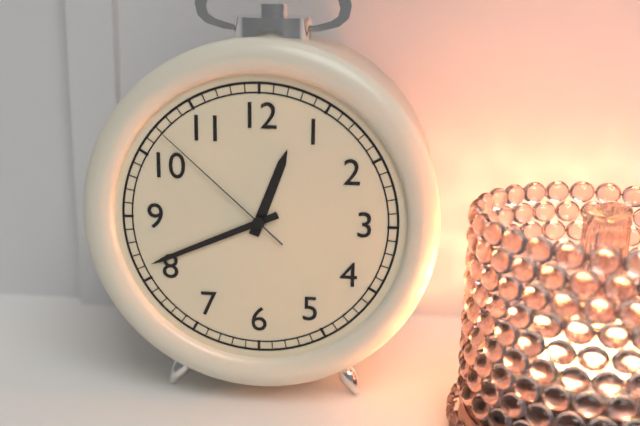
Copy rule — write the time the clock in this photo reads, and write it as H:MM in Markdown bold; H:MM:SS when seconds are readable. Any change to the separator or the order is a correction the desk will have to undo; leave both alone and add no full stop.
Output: **12:41:52**
